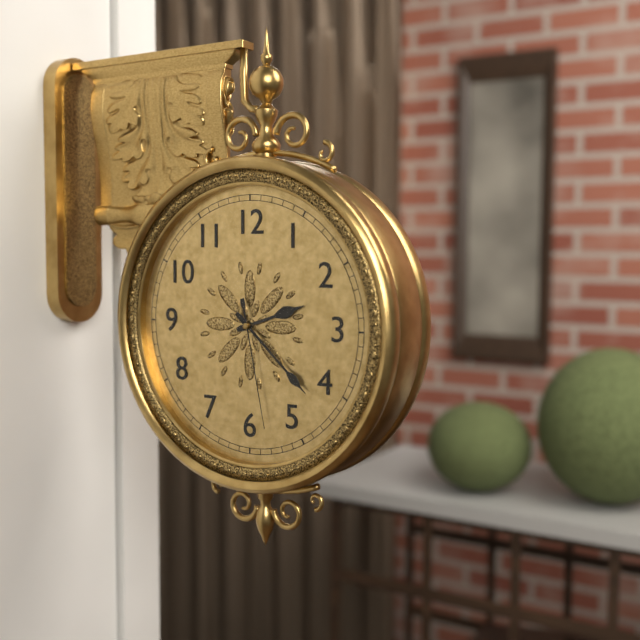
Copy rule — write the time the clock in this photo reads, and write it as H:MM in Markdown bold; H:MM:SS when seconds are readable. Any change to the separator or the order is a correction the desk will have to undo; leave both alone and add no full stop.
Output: **2:22:28**
